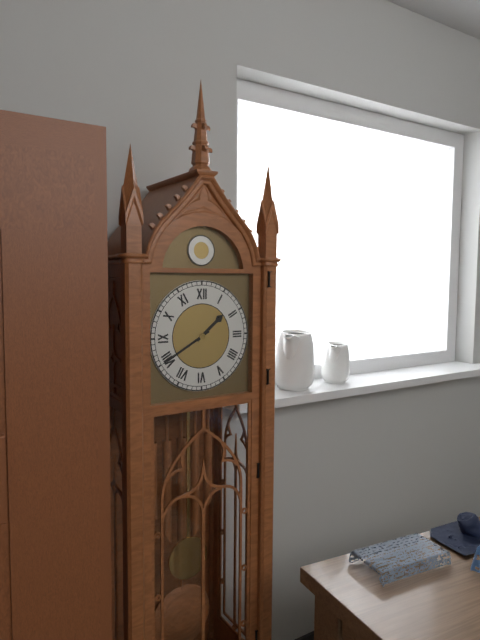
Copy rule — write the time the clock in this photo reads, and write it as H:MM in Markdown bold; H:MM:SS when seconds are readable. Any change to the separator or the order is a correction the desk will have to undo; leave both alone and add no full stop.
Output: **1:40**
